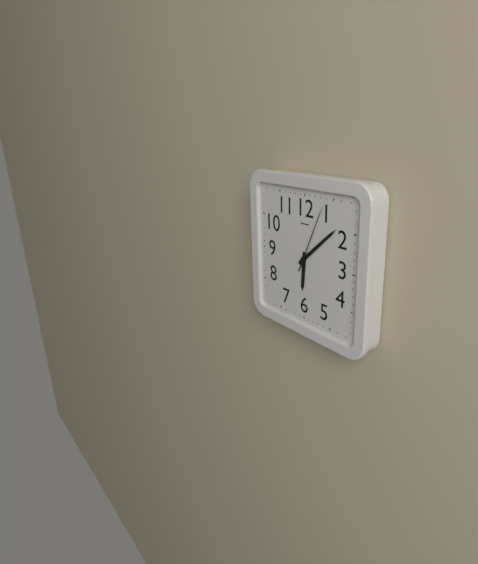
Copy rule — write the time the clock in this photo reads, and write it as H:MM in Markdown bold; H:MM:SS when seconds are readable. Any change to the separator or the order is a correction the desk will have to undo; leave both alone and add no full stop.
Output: **6:08:04**
